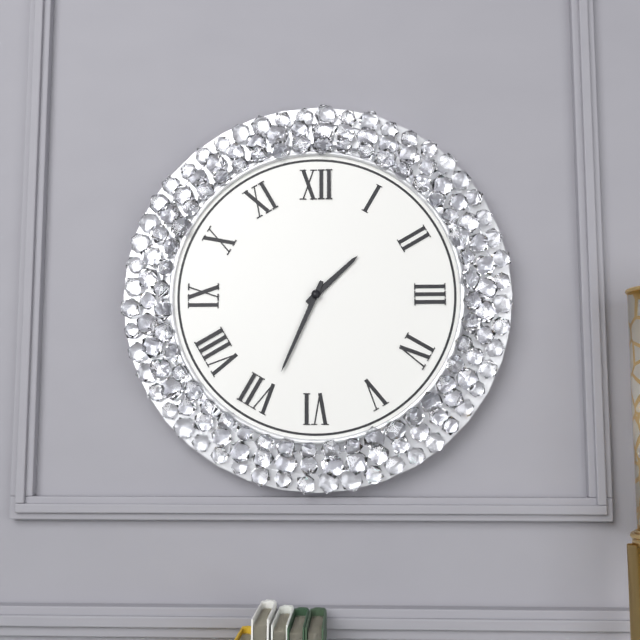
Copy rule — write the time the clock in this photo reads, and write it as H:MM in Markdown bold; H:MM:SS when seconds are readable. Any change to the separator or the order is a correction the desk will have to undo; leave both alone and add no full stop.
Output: **1:34**
